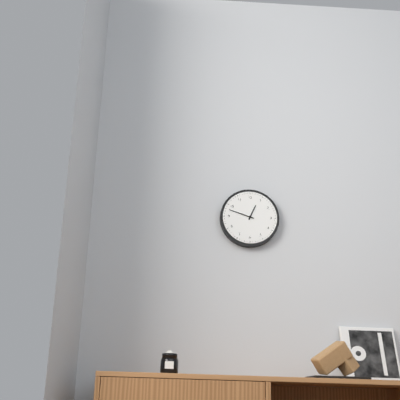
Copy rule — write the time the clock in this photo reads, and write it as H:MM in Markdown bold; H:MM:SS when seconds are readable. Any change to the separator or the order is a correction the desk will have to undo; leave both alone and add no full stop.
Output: **12:48**
